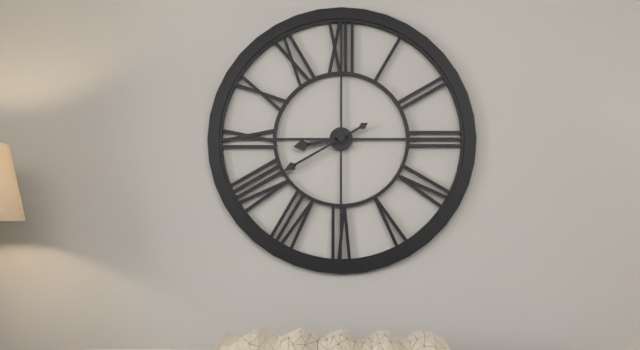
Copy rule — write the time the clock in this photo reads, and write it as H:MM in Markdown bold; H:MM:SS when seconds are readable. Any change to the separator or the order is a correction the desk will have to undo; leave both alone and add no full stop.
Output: **8:40**
